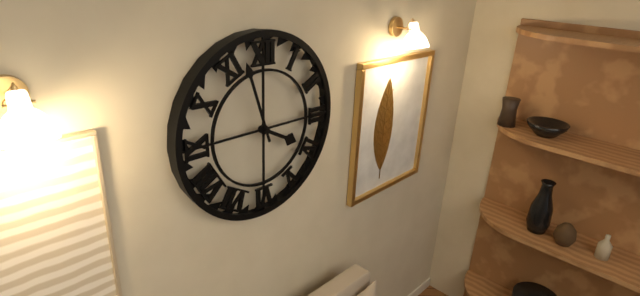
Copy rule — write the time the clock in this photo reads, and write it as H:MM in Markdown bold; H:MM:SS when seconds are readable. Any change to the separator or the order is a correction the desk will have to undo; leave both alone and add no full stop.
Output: **3:57**
